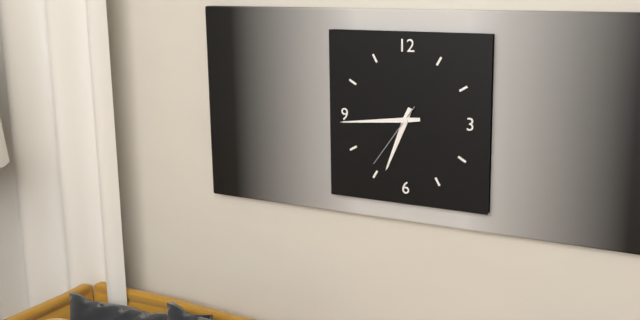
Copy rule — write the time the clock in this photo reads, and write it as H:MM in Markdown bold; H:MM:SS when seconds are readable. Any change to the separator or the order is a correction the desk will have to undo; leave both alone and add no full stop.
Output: **6:44:36**
